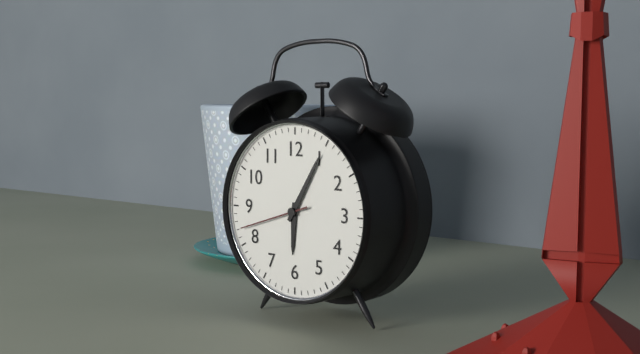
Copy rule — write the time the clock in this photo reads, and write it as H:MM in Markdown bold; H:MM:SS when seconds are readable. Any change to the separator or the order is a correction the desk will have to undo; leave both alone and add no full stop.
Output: **6:05:42**
